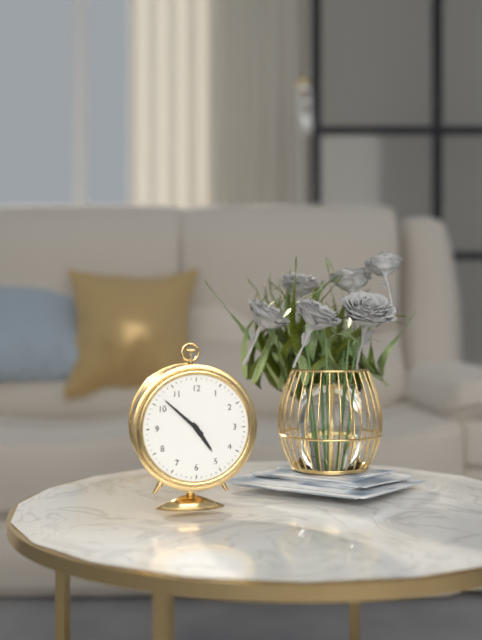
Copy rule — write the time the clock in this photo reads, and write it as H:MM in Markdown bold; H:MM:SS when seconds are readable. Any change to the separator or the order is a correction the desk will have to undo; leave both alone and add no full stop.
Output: **4:52**
